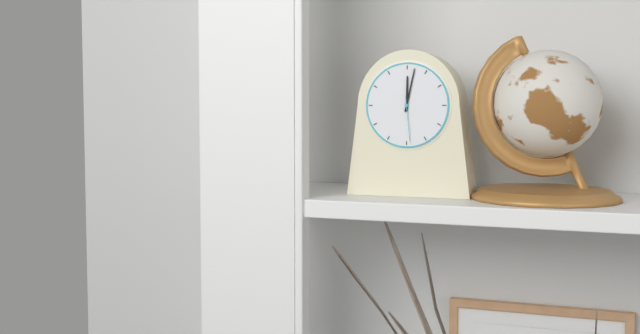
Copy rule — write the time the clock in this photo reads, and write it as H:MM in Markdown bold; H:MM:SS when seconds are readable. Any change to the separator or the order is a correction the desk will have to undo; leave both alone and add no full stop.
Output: **12:02**
